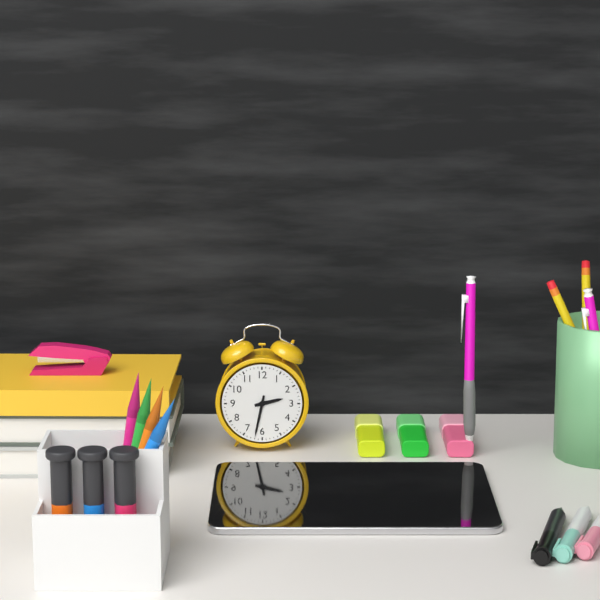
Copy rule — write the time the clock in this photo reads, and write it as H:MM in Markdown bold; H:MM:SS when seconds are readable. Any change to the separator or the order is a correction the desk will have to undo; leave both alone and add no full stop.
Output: **2:32**
